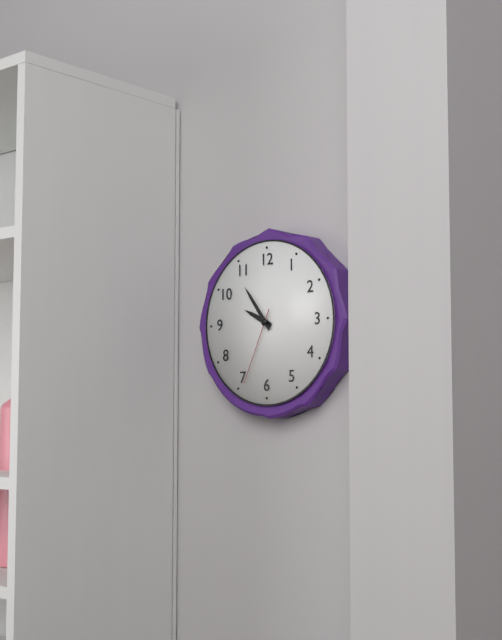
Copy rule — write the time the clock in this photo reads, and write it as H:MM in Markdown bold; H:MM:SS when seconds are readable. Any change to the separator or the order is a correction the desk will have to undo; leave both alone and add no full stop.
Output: **9:54:34**
